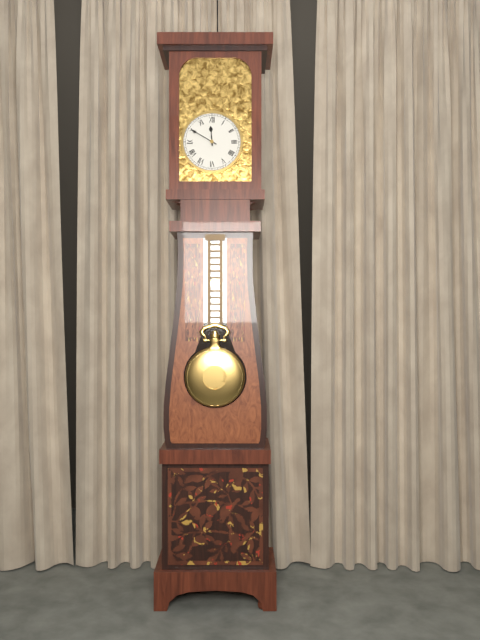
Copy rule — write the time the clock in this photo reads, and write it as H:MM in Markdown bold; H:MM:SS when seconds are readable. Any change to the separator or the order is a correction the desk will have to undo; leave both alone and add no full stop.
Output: **11:50**
